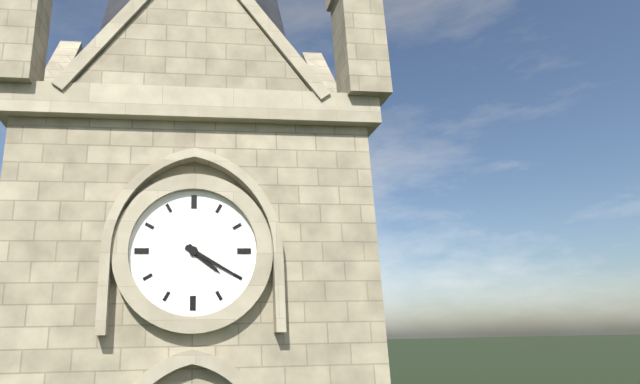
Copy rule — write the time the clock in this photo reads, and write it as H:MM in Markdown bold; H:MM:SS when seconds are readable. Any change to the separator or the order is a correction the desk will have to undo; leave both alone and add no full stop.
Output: **4:20**
